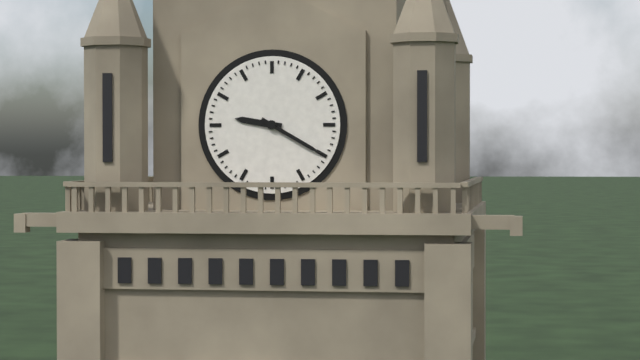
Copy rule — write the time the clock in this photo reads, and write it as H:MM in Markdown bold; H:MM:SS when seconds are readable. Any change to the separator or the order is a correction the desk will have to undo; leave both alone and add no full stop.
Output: **9:20**
